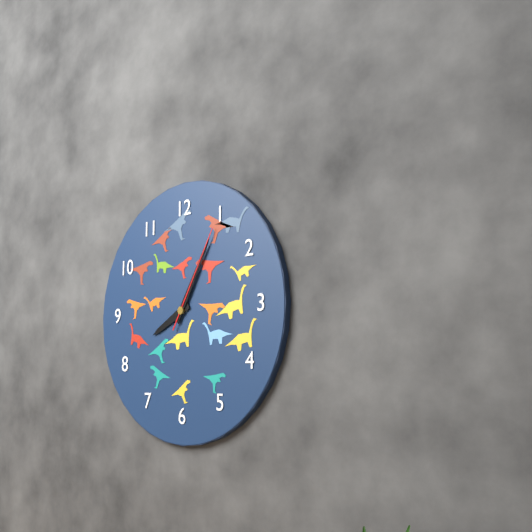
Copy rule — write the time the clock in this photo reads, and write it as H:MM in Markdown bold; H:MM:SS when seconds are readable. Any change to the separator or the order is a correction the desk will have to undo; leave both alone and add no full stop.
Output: **8:05:05**
